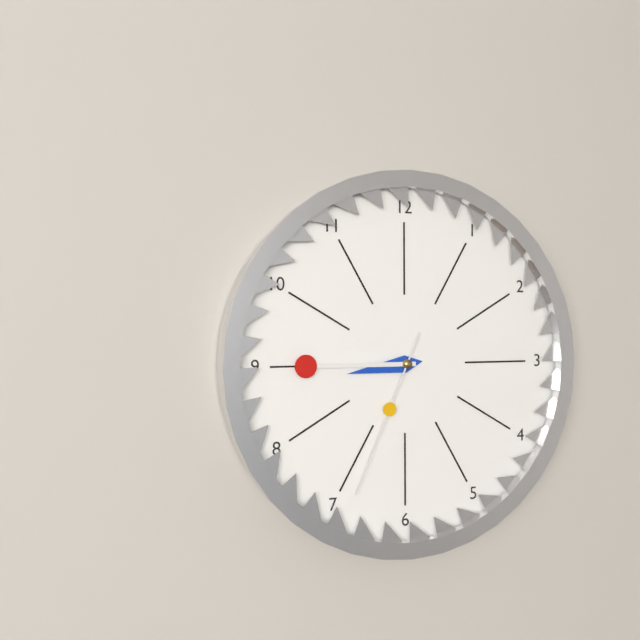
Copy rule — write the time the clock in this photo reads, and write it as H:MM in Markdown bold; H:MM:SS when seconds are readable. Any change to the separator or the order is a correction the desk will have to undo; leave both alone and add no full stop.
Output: **8:45:34**
